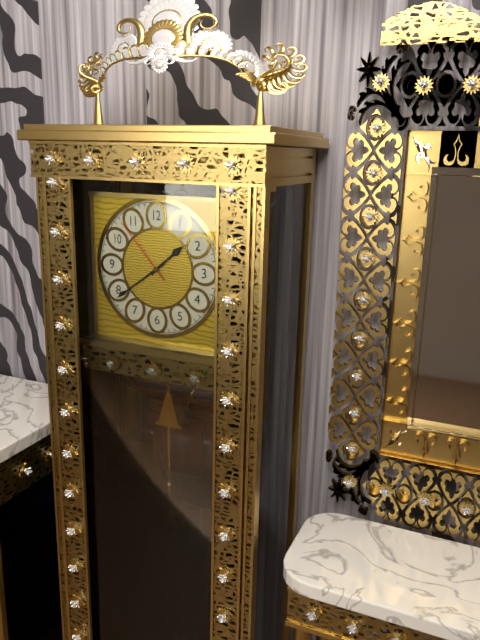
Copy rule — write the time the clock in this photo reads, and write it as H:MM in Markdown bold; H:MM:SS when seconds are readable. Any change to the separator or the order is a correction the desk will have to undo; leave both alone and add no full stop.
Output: **1:39:53**
